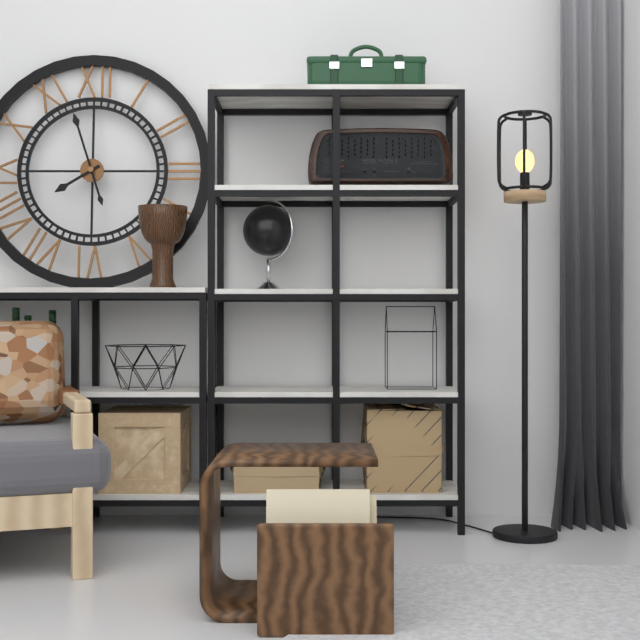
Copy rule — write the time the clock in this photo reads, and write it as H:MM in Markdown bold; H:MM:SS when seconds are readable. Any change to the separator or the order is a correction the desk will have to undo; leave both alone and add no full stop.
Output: **7:57**
